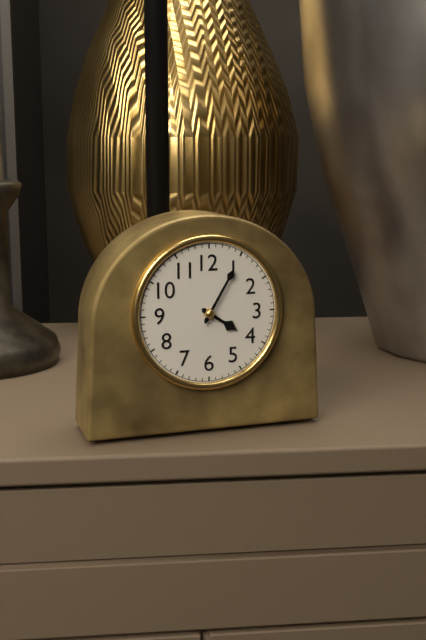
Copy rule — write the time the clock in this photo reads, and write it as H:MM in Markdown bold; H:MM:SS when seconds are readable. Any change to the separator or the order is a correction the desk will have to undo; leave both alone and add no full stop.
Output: **4:05**
